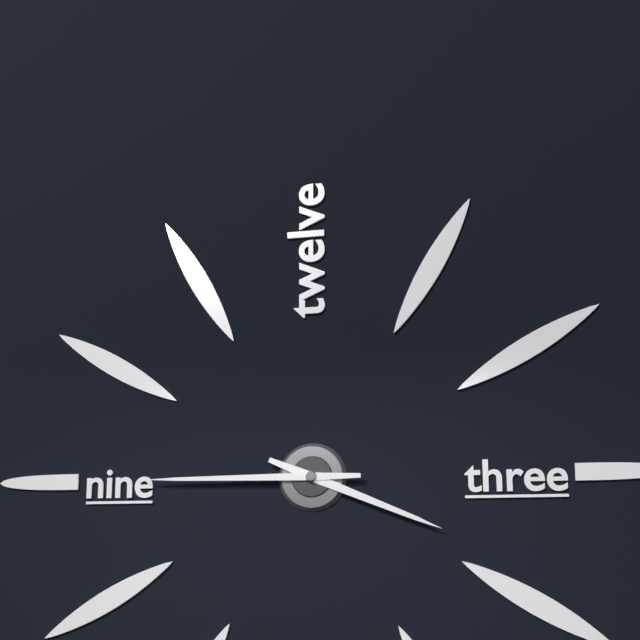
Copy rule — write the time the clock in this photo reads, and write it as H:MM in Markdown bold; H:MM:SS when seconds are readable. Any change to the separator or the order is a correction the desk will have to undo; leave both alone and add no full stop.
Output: **3:45**
